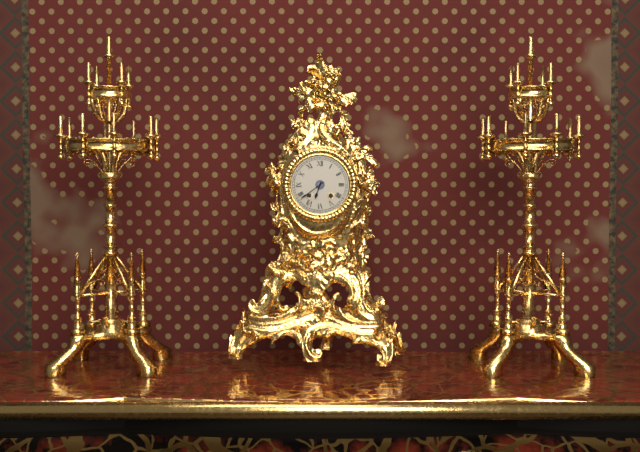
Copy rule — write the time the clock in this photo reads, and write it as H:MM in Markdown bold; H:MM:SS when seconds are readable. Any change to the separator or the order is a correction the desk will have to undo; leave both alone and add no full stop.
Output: **6:39**
